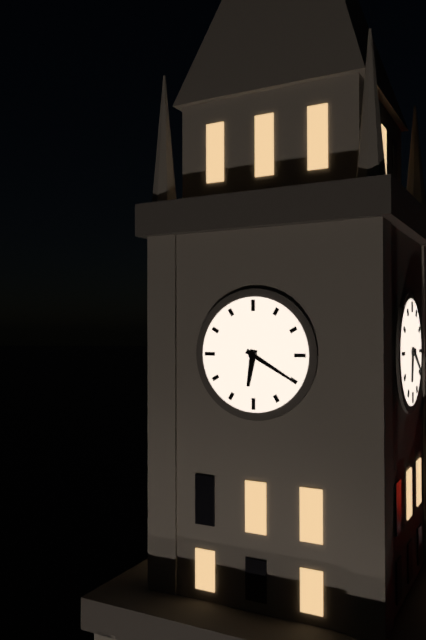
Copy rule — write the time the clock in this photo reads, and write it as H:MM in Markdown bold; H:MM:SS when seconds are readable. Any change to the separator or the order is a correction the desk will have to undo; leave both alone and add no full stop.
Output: **6:20**
